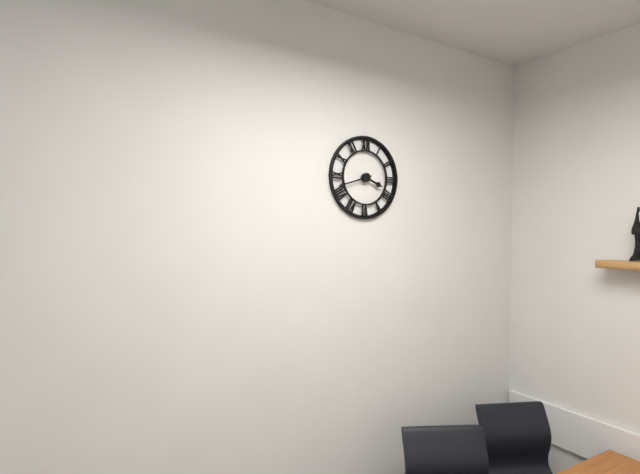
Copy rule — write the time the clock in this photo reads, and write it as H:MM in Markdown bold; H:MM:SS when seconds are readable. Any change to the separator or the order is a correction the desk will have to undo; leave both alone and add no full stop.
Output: **3:42**
